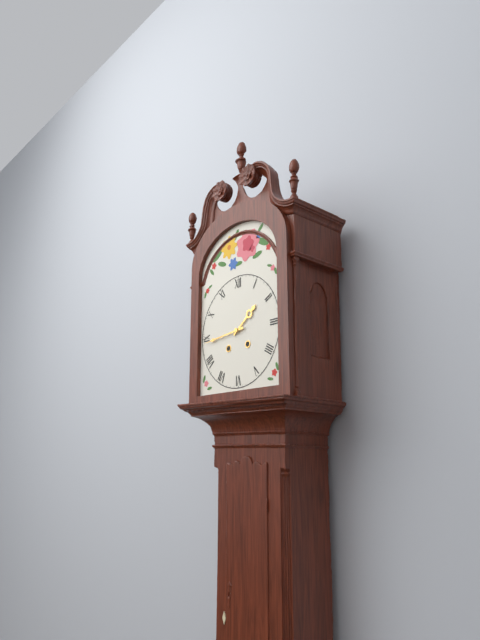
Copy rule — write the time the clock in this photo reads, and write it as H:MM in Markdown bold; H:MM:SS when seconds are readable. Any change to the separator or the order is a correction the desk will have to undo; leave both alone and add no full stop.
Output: **1:44**
